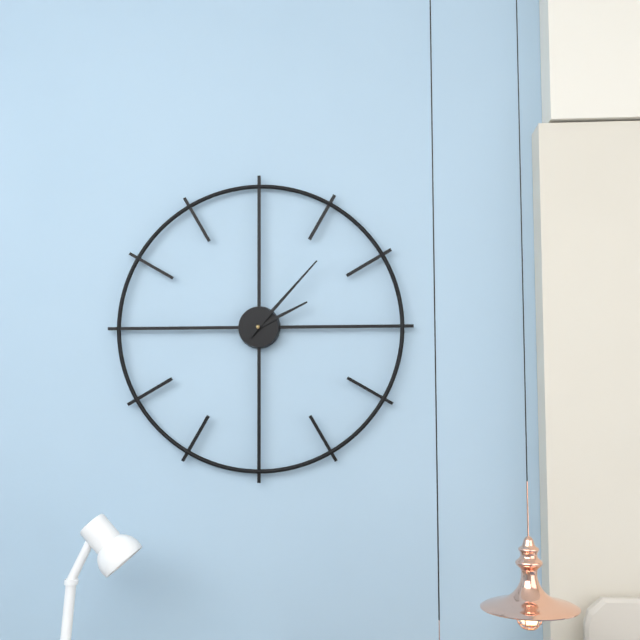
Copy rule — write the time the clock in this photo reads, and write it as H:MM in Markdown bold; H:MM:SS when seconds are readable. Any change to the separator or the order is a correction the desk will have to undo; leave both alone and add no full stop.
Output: **2:07**
